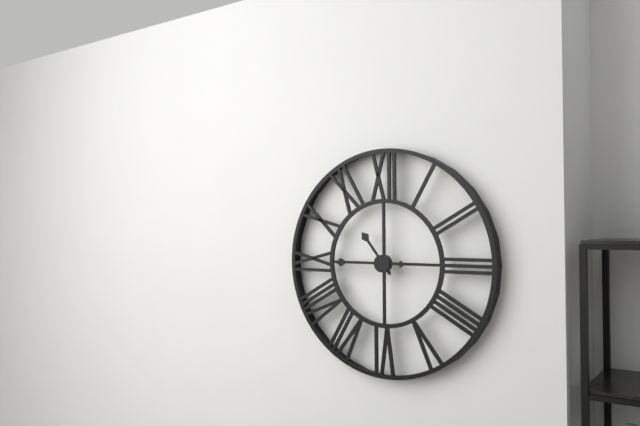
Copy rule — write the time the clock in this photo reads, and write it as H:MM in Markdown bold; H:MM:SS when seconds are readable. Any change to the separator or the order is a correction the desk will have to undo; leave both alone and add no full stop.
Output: **10:45**
